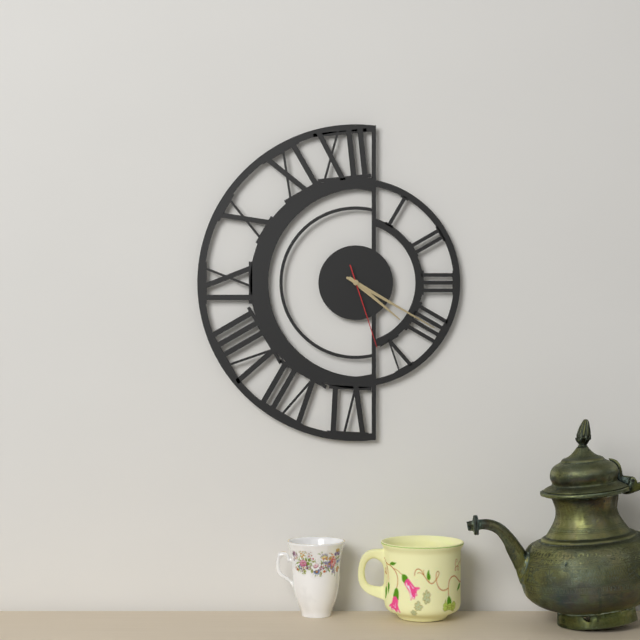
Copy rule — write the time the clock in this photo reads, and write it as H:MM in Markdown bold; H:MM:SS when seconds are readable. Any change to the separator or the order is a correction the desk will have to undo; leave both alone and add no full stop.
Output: **4:20:27**
